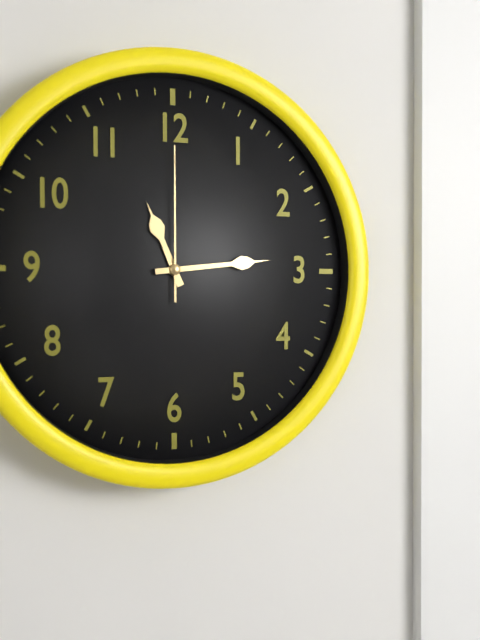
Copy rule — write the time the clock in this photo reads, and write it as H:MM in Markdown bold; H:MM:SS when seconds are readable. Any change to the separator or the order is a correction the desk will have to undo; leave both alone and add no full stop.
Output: **11:14:00**
